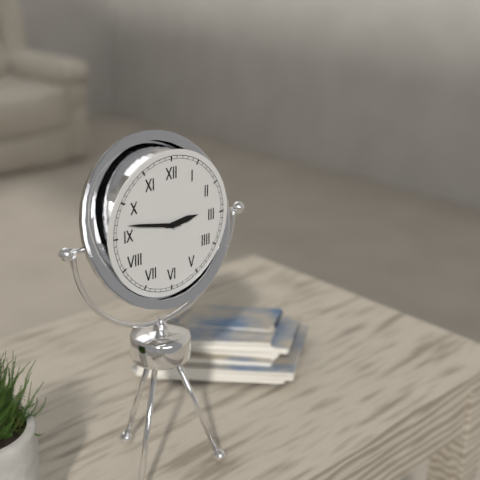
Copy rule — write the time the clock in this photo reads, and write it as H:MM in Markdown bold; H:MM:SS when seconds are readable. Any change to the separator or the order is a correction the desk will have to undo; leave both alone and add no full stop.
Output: **2:47**
